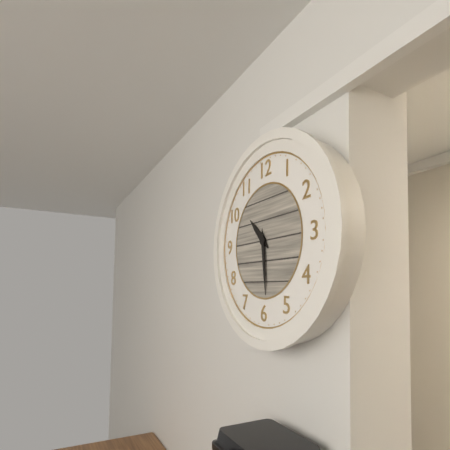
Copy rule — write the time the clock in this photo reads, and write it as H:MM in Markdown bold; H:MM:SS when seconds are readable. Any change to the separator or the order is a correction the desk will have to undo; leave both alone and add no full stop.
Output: **10:29**
